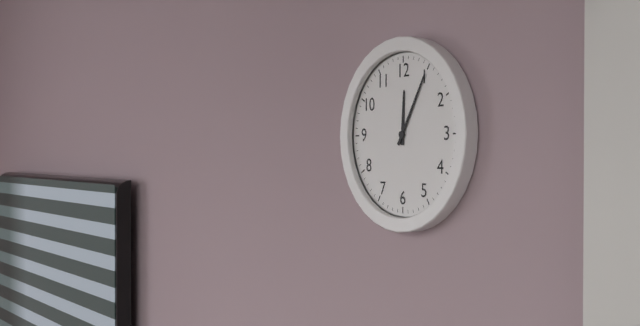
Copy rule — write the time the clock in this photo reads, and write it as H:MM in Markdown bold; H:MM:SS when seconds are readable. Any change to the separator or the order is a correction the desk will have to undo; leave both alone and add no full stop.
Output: **12:05**
